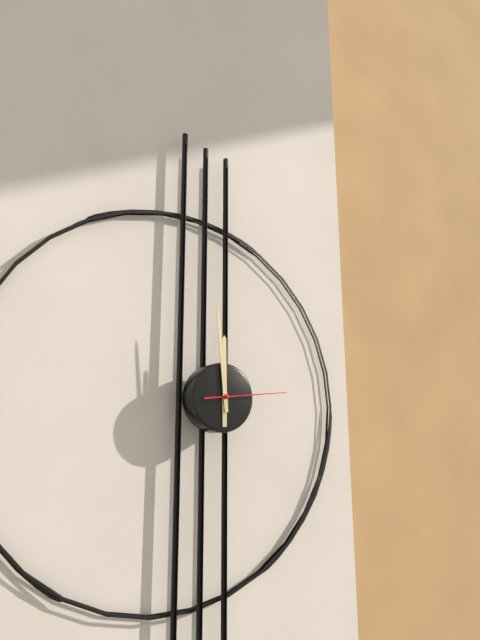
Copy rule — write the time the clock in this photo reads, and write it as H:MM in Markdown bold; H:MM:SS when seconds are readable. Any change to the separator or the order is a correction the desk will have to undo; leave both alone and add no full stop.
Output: **11:59:14**
